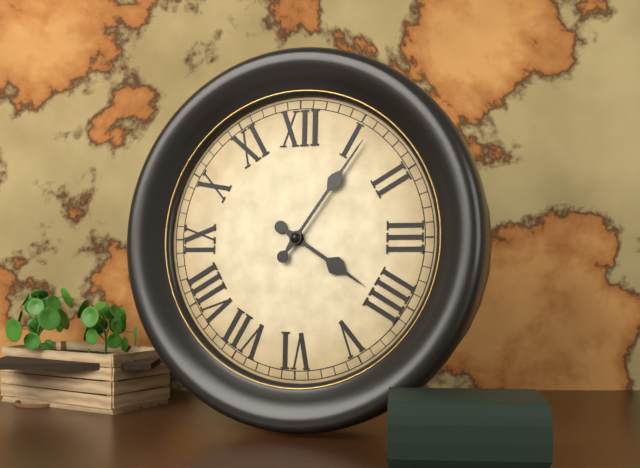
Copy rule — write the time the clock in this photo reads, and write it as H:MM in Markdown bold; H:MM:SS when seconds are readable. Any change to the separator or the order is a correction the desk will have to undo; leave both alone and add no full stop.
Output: **4:06**
